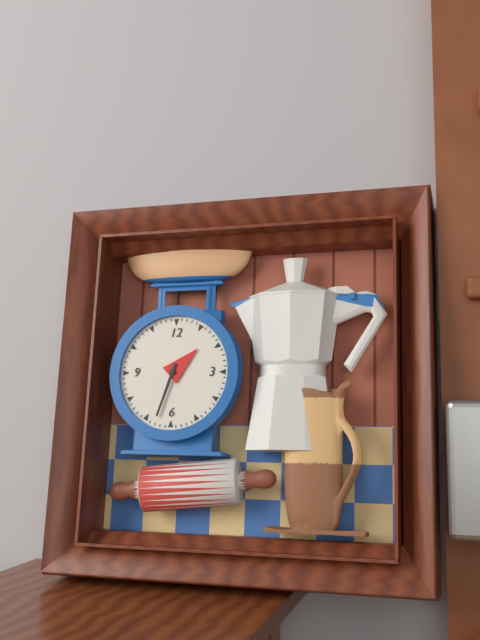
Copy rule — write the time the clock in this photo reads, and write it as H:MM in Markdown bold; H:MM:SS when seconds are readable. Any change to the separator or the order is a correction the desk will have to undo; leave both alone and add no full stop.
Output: **1:33**
